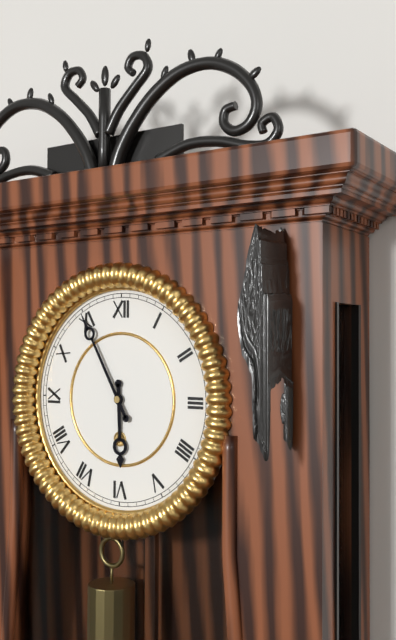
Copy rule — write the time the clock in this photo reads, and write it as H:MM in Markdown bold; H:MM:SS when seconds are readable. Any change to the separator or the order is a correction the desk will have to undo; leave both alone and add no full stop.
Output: **5:55**
